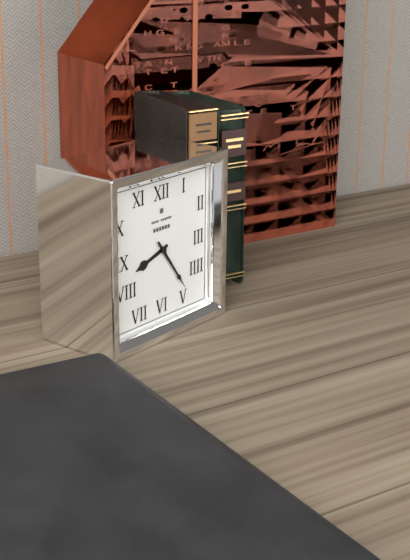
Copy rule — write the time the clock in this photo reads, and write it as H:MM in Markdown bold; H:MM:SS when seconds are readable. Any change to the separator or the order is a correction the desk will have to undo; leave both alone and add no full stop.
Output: **8:24**
